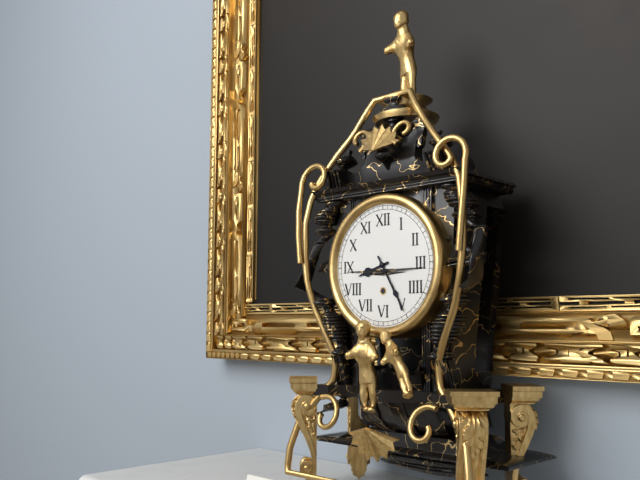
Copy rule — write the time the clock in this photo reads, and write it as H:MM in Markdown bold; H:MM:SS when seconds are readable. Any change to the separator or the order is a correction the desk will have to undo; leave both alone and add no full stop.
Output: **8:25**
